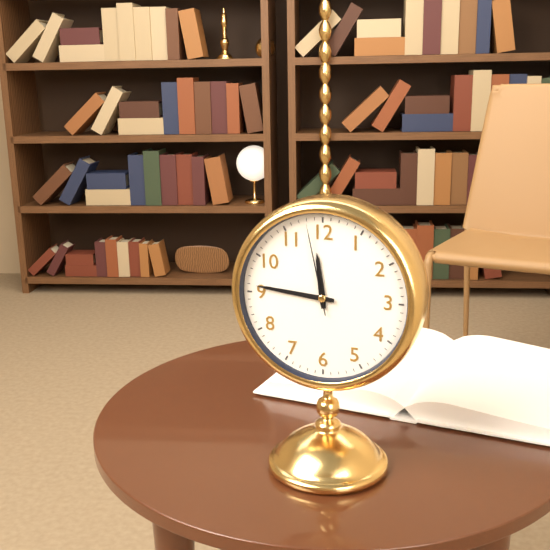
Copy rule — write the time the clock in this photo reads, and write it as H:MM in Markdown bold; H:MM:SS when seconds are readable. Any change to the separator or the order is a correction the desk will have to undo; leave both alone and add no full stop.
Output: **11:46:58**
